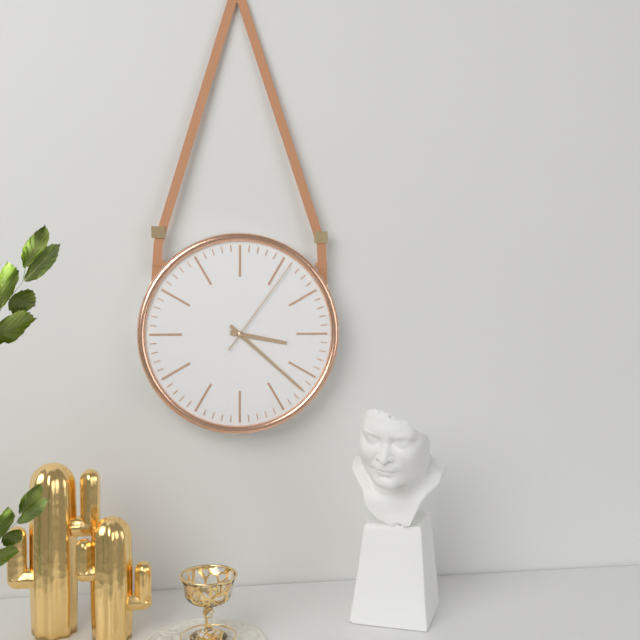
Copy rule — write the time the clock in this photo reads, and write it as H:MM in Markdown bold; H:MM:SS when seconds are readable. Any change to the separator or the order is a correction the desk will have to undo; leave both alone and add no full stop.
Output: **3:22:06**
